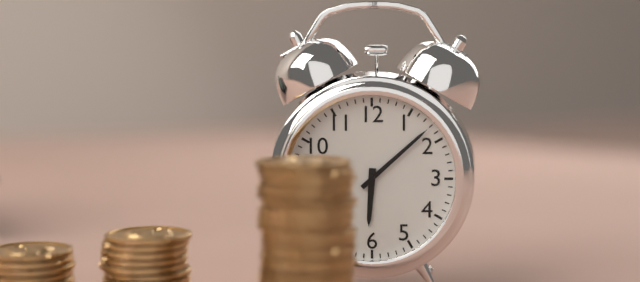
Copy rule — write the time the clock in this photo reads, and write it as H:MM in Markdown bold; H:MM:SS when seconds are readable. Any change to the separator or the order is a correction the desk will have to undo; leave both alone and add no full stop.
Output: **6:08**
